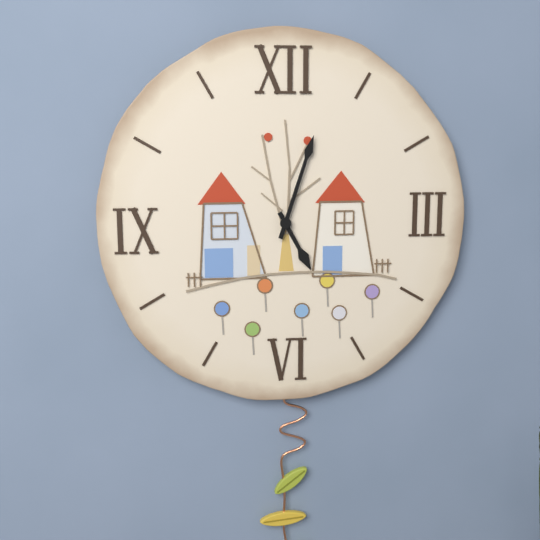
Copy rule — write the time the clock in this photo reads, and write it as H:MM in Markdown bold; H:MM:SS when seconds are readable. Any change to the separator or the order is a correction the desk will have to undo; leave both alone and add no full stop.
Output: **5:03**
